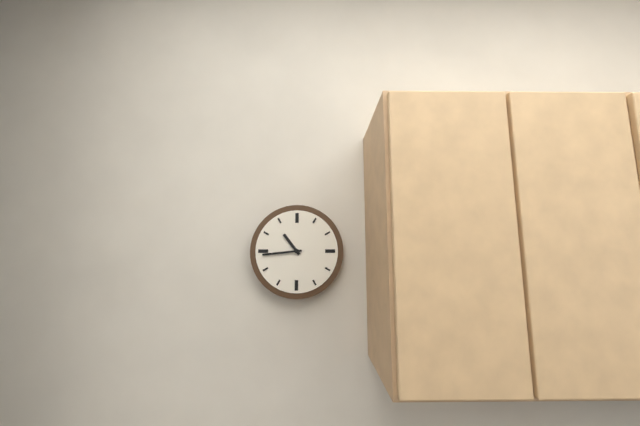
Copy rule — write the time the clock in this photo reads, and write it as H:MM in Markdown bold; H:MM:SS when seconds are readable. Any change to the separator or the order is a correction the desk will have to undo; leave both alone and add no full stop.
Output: **10:44**
